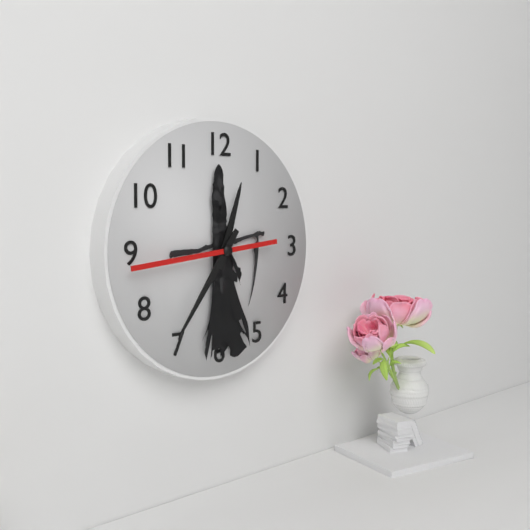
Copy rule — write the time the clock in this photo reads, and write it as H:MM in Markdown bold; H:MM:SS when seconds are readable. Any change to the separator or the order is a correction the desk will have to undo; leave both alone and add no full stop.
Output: **12:36:44**
